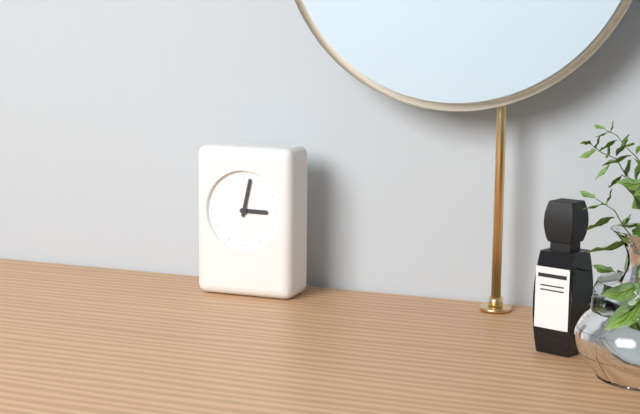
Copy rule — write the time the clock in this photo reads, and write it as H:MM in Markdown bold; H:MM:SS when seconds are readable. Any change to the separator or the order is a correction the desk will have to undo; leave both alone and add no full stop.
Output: **3:02**
